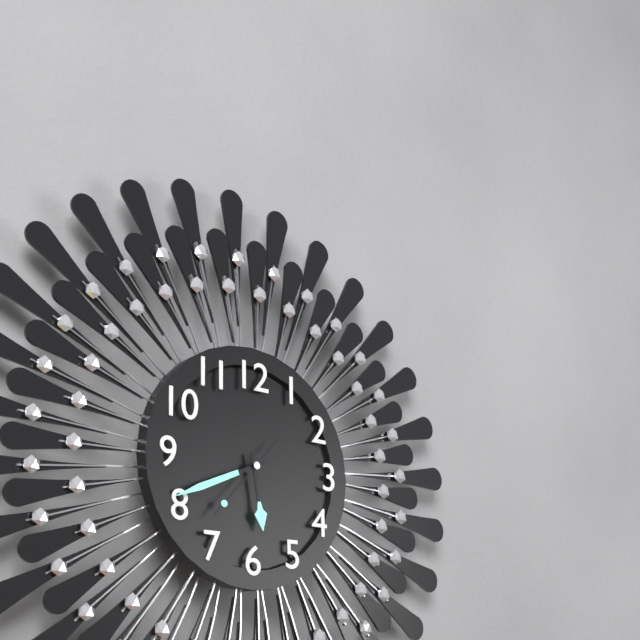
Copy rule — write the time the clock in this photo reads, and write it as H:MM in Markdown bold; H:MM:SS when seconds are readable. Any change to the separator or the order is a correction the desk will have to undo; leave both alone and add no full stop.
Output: **5:41:37**
